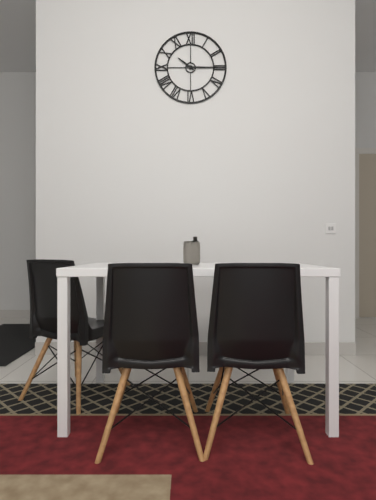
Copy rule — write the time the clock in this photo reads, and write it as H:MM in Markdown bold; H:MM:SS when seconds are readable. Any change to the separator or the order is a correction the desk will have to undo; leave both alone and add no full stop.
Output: **10:15**
